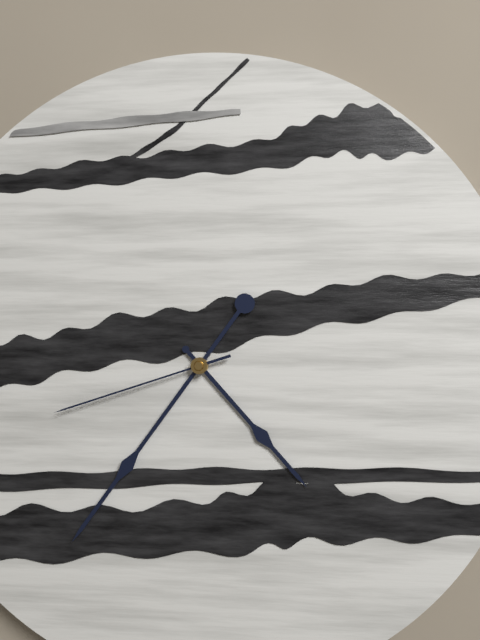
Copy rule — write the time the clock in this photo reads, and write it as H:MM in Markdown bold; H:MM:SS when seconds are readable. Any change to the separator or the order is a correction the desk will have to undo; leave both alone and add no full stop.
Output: **4:36:42**
